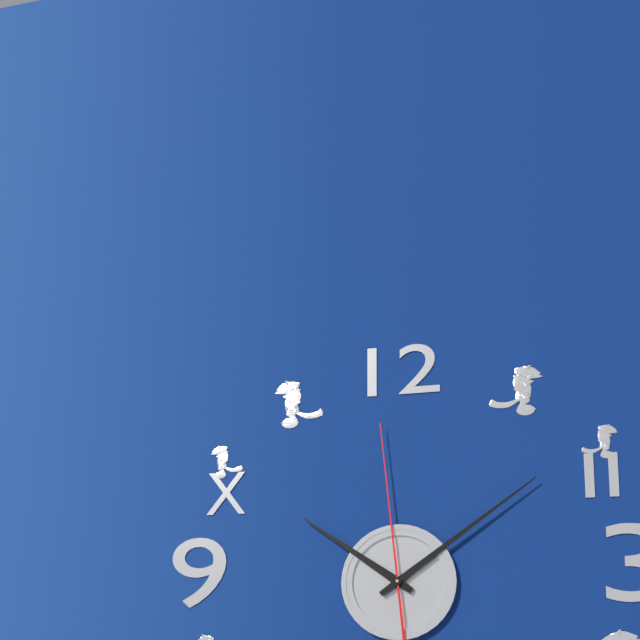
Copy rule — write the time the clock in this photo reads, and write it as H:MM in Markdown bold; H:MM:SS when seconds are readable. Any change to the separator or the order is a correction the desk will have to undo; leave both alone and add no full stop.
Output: **10:09:59**
